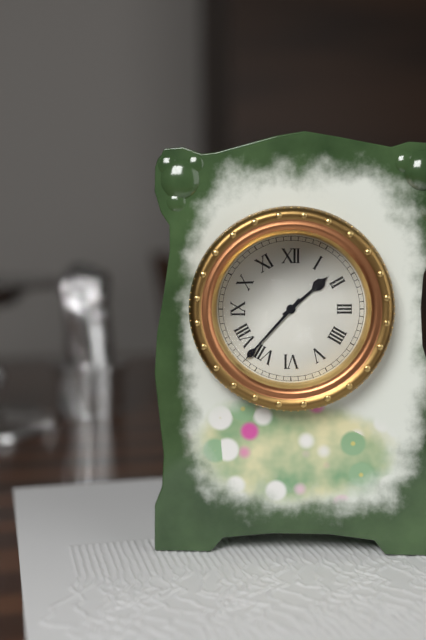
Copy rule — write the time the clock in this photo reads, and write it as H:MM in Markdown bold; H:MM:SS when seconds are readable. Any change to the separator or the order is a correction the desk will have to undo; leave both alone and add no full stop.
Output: **1:37**
